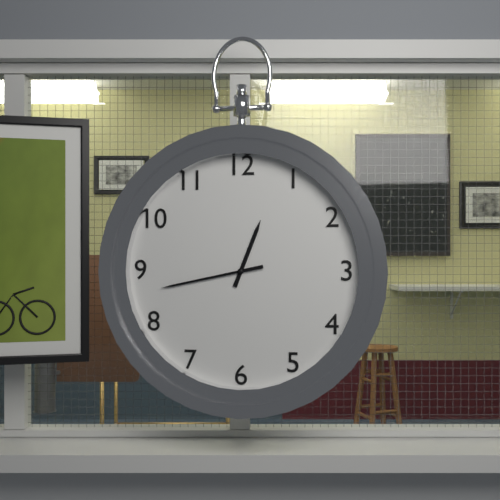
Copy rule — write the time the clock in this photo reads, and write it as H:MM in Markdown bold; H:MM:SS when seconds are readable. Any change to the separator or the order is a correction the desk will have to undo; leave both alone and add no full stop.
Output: **12:43**
